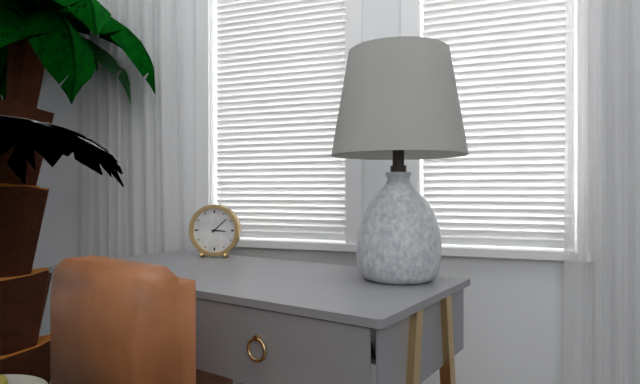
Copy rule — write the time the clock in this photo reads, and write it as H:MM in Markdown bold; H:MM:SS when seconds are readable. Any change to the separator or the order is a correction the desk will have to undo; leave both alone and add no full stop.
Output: **3:08**
